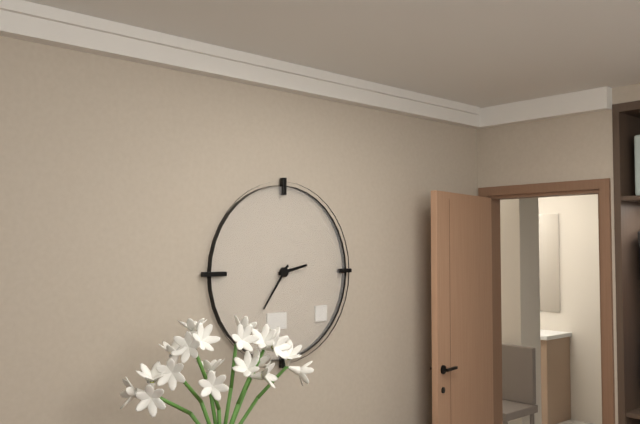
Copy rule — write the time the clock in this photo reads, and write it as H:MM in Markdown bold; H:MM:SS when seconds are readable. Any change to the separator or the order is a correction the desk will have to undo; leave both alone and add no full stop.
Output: **2:36**
